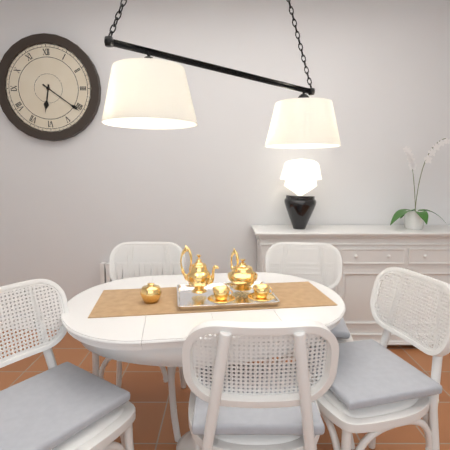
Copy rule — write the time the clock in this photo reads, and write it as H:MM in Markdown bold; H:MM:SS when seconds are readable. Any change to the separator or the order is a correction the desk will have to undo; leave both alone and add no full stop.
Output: **6:21**
